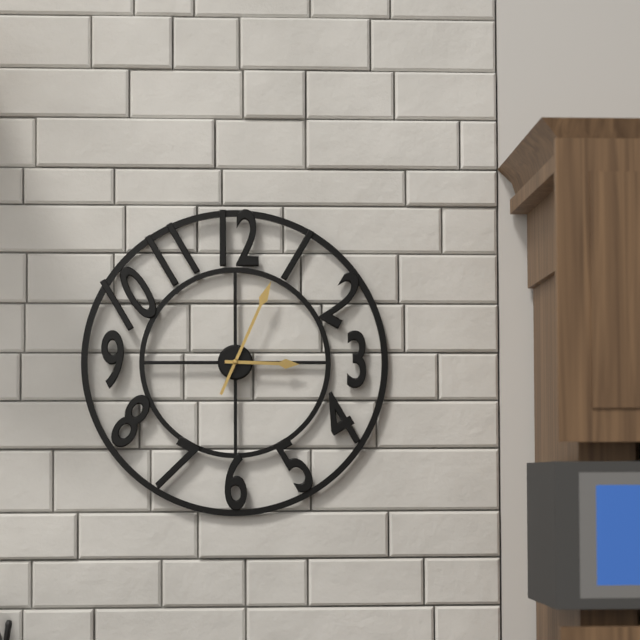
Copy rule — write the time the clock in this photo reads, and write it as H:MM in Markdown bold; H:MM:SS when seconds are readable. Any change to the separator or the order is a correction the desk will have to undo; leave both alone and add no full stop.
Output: **3:04**
